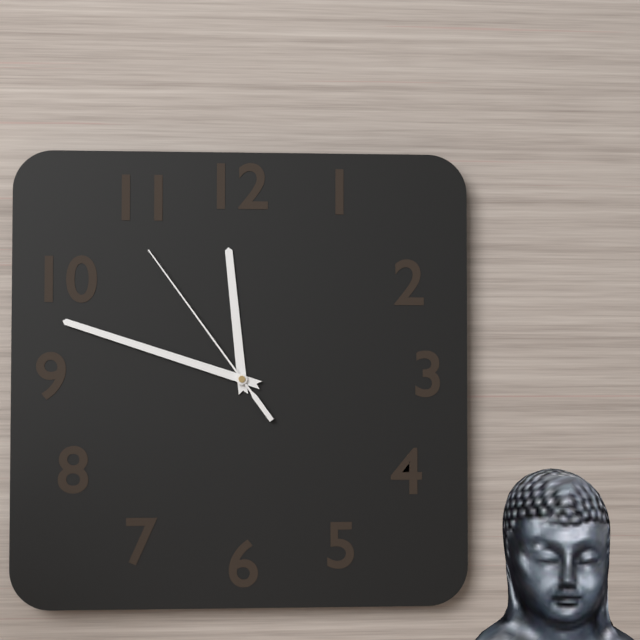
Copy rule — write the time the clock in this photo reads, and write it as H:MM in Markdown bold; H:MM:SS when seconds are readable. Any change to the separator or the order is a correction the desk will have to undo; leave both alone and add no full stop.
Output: **11:48:54**
